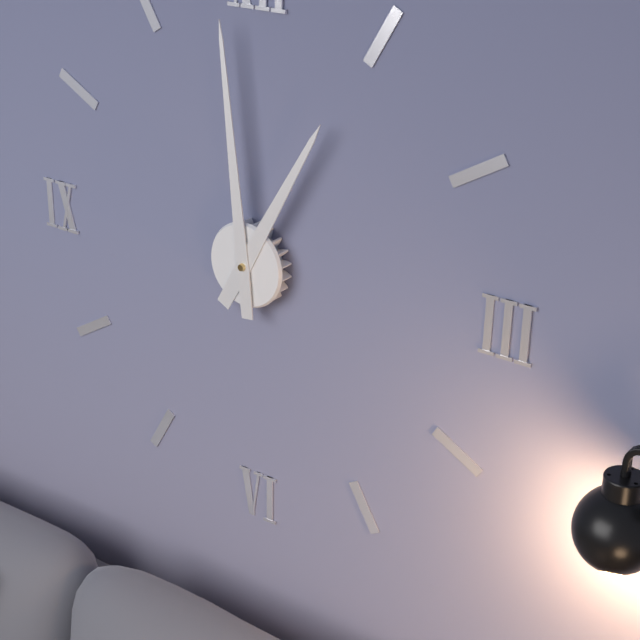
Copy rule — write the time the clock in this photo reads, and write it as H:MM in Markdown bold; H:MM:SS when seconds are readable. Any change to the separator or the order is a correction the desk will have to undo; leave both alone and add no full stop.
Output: **12:59**
